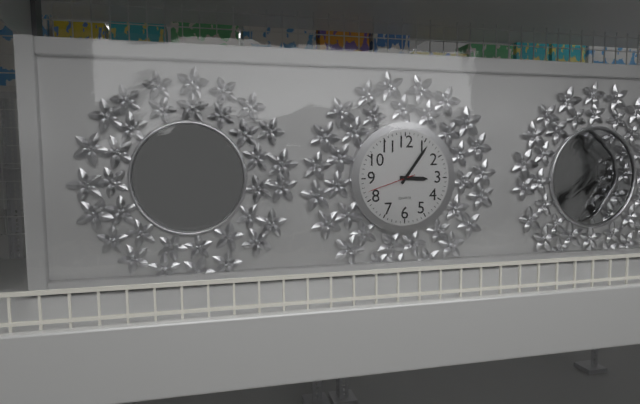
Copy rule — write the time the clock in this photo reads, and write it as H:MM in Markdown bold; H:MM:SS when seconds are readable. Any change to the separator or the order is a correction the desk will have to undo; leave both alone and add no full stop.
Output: **3:06:42**
